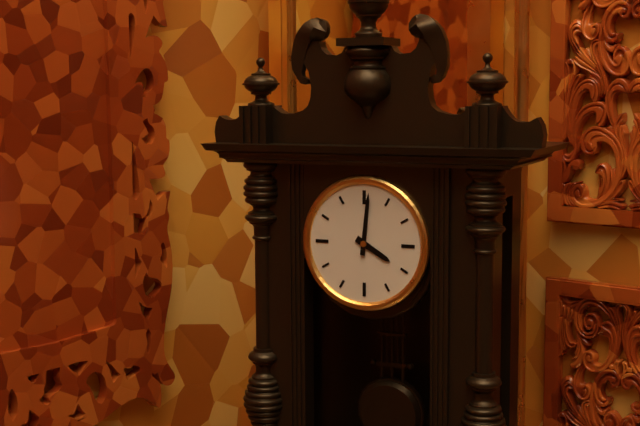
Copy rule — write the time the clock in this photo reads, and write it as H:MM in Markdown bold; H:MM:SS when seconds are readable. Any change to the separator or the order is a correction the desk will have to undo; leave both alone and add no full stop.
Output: **4:01**
